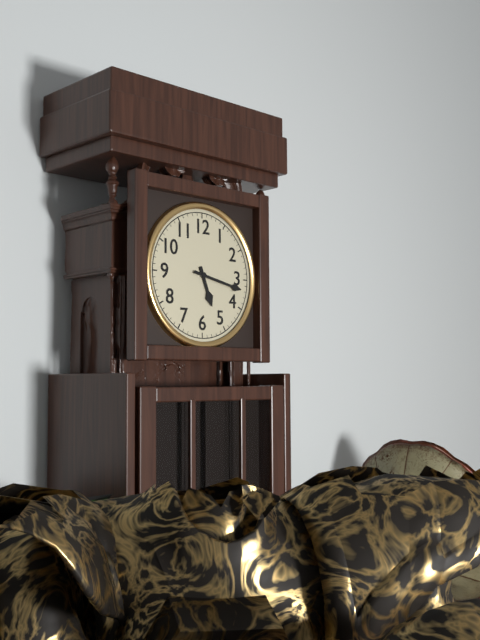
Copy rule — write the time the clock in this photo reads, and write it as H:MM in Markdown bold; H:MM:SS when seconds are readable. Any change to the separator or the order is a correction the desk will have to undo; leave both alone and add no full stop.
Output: **5:17**
